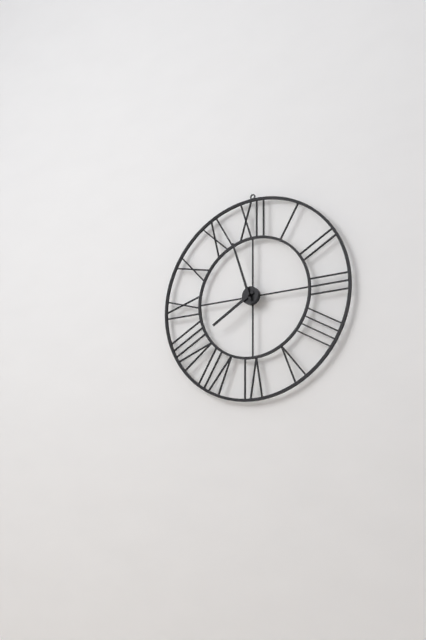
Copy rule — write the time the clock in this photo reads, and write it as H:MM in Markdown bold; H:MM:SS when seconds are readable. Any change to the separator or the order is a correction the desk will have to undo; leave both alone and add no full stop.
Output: **7:57**
